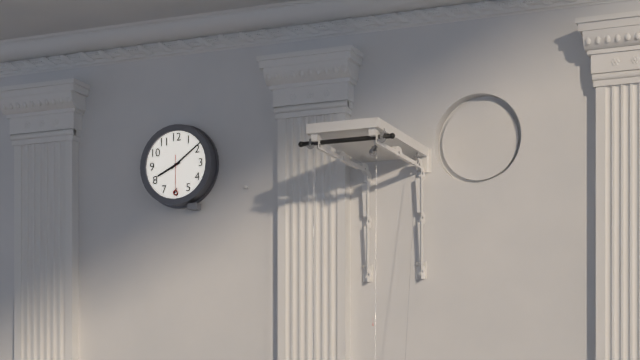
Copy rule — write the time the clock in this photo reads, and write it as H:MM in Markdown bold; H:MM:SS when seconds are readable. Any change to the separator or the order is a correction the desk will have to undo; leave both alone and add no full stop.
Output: **8:09**
